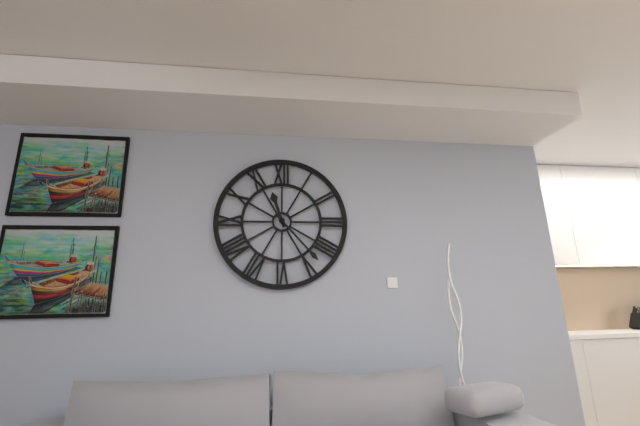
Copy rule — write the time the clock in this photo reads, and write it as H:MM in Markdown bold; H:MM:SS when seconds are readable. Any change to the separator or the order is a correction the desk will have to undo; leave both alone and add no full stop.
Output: **11:23**
